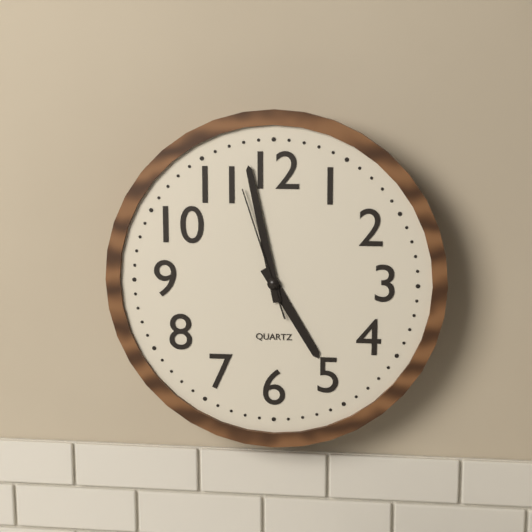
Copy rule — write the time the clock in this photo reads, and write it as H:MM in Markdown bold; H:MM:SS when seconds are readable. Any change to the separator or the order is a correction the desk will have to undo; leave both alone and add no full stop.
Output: **4:58:57**
